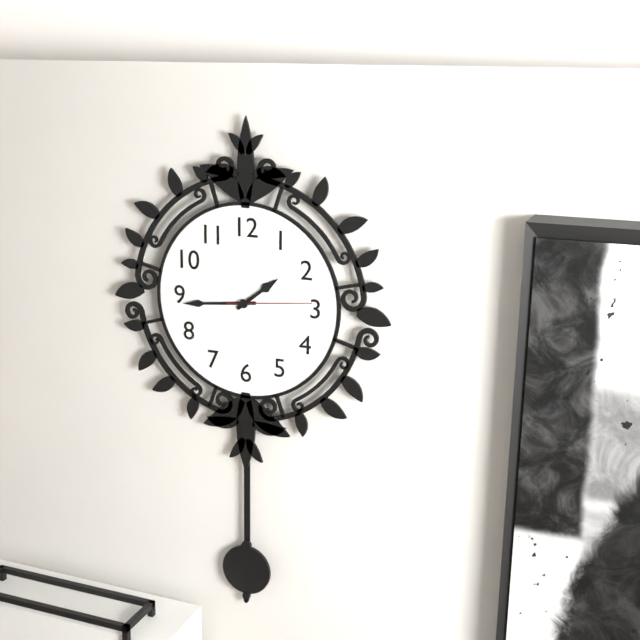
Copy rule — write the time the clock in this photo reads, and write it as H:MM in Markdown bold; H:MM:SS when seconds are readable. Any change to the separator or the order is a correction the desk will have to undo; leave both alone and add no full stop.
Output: **1:44:14**
